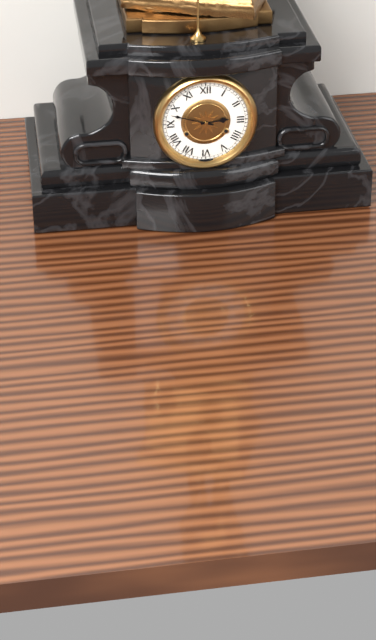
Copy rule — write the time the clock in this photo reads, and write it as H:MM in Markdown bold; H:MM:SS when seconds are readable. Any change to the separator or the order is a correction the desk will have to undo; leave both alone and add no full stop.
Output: **2:48**
